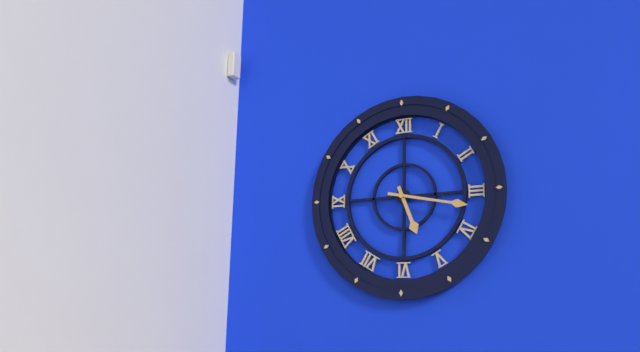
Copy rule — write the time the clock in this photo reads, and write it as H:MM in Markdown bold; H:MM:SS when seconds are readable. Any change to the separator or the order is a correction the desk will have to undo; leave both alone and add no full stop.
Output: **5:17**
